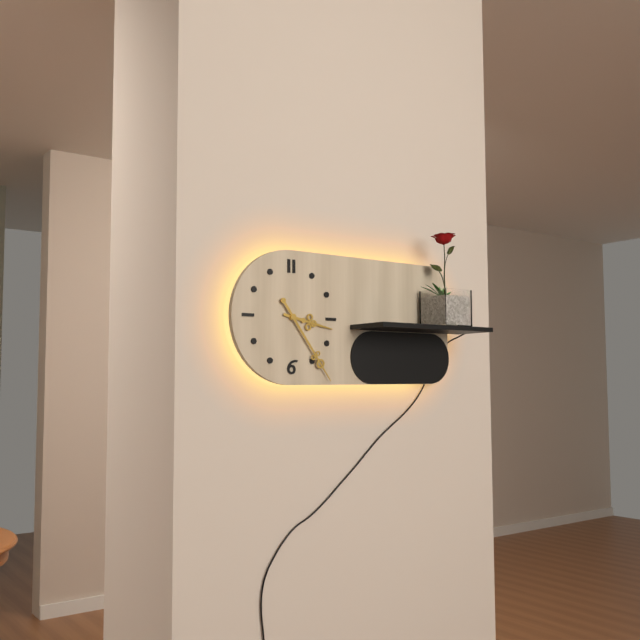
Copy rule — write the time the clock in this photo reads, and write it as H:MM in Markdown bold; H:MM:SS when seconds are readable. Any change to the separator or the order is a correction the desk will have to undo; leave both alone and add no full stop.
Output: **3:24**
